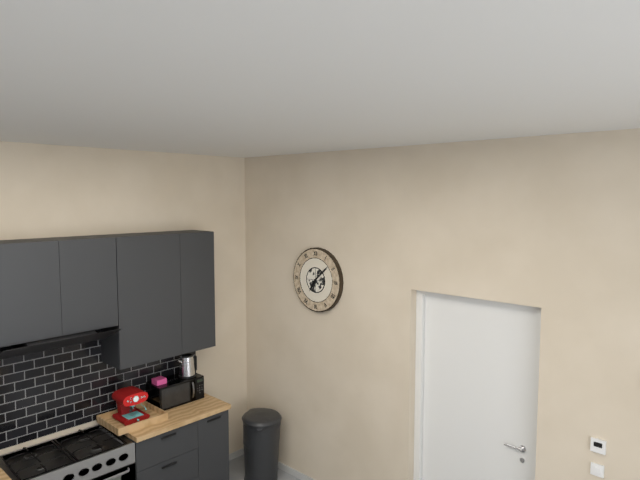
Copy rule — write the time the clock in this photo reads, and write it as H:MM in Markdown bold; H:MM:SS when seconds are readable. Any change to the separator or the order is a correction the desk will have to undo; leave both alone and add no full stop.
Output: **7:08**
